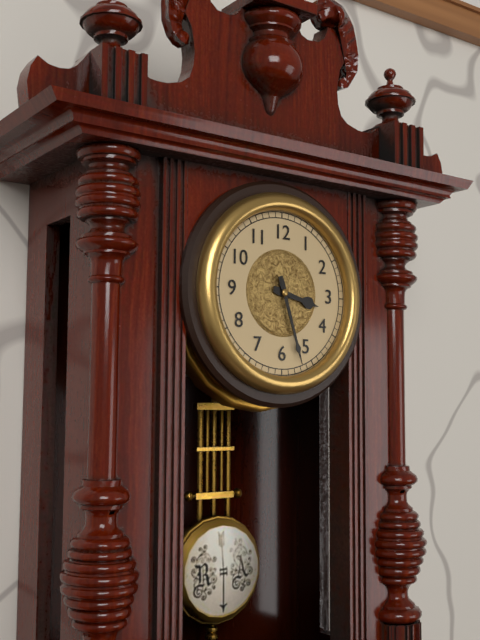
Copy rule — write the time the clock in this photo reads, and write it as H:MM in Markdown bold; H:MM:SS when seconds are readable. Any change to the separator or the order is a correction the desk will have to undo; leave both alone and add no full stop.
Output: **3:27**
